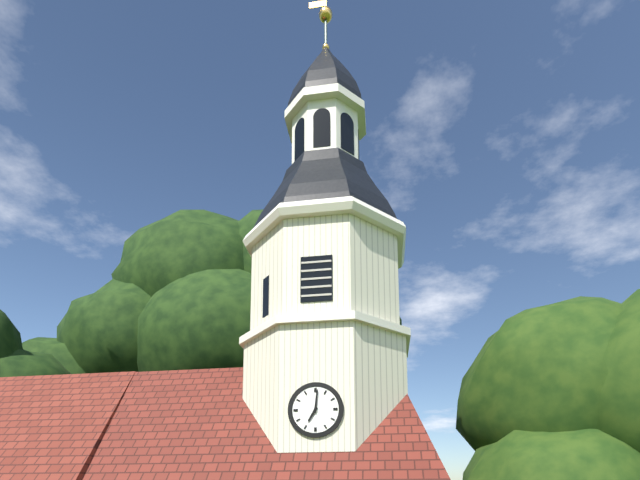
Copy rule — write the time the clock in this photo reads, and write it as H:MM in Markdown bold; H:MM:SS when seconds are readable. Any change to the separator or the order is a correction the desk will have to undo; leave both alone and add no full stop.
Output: **7:01**
